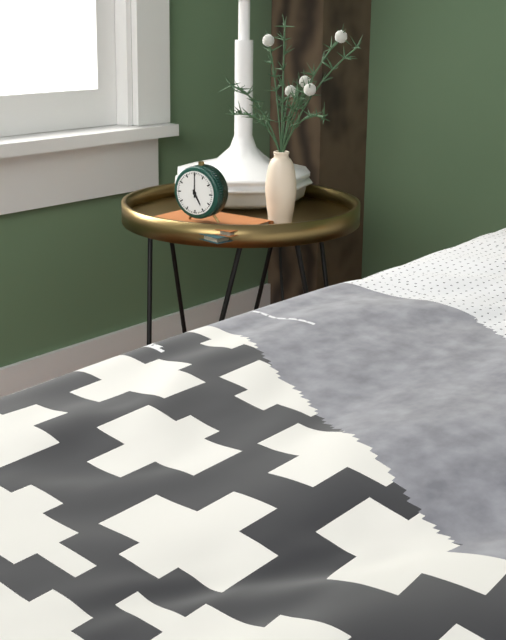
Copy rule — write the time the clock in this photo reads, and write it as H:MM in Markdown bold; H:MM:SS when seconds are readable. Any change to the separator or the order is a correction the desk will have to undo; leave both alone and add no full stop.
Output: **5:00**
